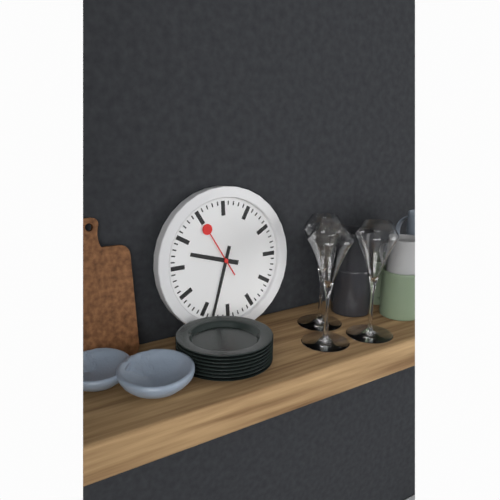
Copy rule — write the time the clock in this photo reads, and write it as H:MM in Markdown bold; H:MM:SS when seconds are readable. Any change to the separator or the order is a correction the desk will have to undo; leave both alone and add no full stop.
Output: **9:33**
